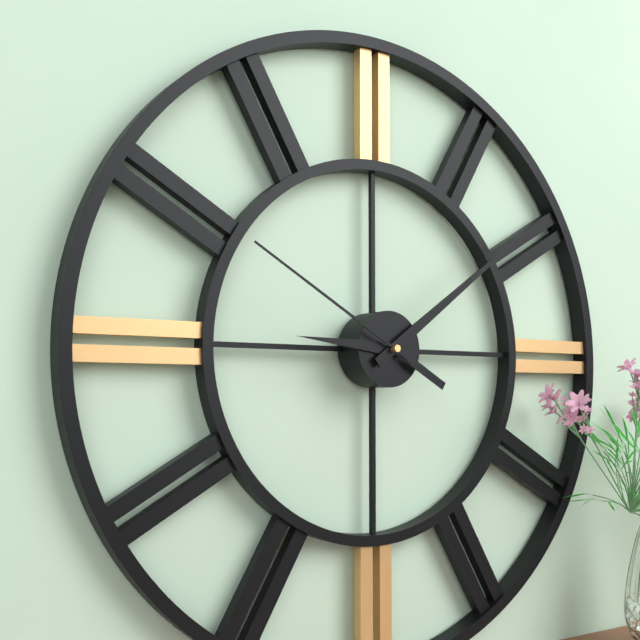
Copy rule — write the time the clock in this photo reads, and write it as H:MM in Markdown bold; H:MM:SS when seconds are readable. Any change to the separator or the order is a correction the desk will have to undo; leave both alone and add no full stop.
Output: **9:09:50**
